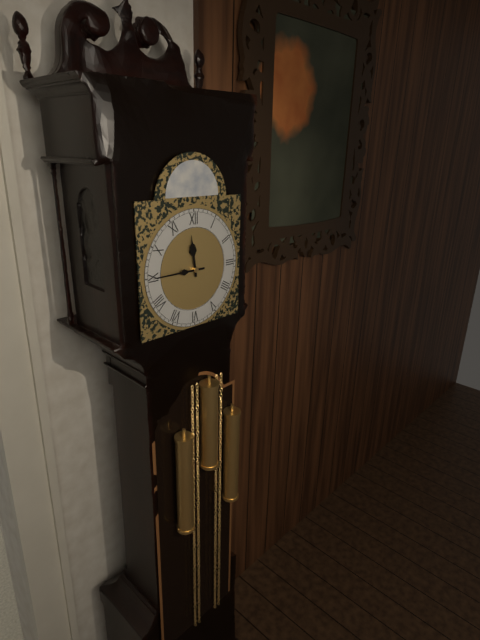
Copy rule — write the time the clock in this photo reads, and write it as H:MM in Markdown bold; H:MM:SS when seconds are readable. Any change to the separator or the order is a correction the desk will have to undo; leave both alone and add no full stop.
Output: **11:45**
